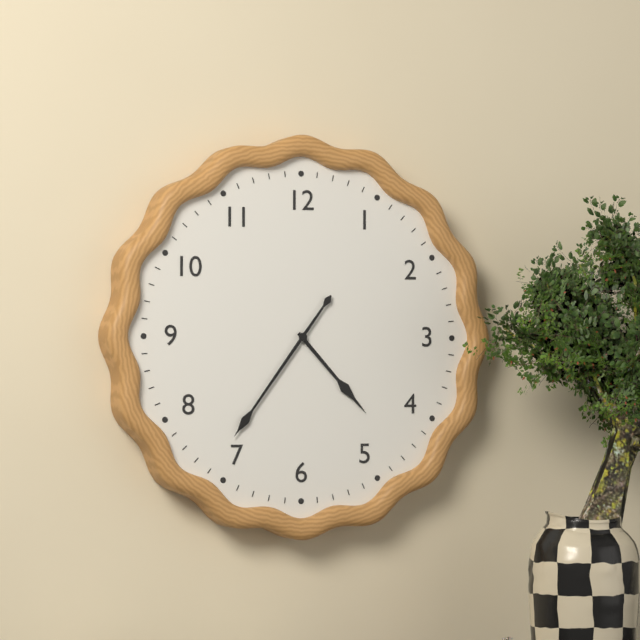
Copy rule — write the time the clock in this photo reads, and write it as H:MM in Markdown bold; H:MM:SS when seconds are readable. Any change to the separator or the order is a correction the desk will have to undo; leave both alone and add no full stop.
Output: **4:36**
